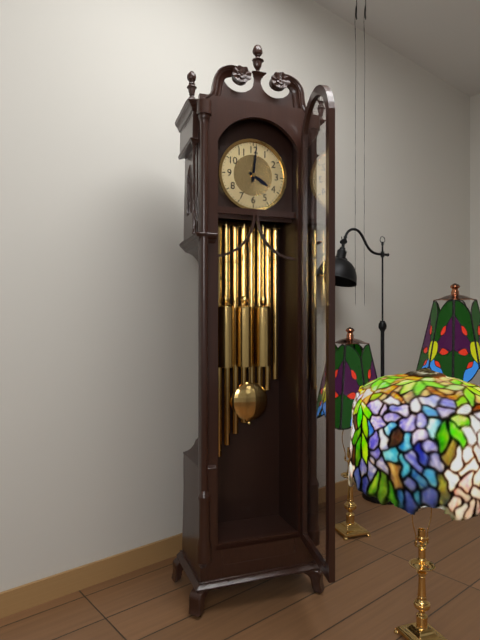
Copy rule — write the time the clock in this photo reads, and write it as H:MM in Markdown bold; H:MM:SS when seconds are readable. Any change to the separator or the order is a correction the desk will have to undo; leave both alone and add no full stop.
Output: **4:01**
